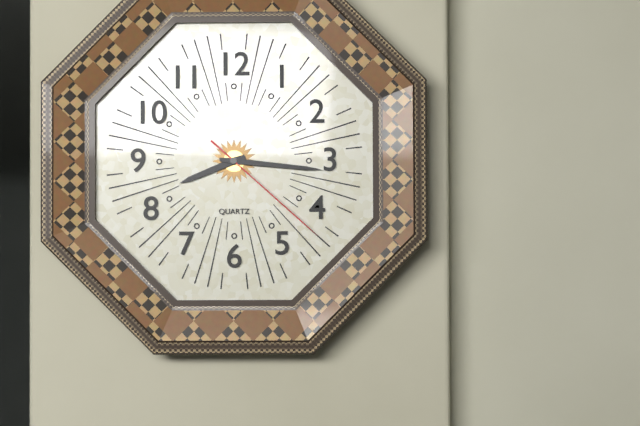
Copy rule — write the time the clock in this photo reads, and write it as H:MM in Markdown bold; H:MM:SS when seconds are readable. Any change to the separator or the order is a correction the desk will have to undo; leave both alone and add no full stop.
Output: **8:16:22**
